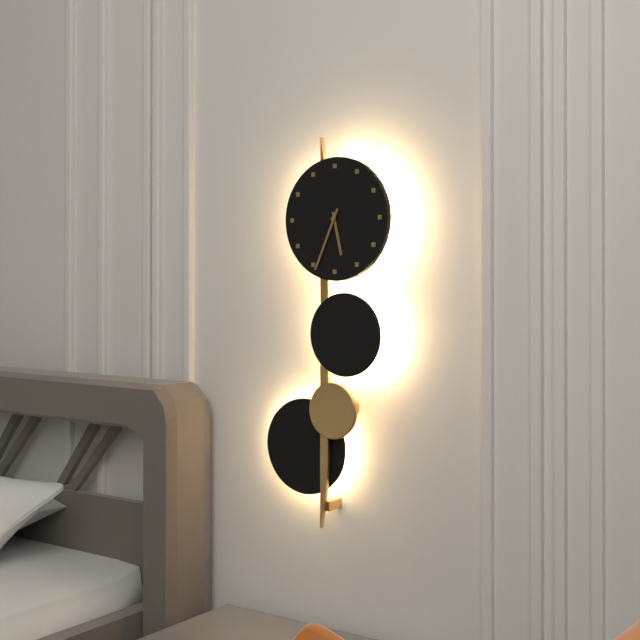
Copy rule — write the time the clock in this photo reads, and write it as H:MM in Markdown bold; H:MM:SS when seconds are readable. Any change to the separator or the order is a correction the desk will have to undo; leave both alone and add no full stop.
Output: **5:34**
